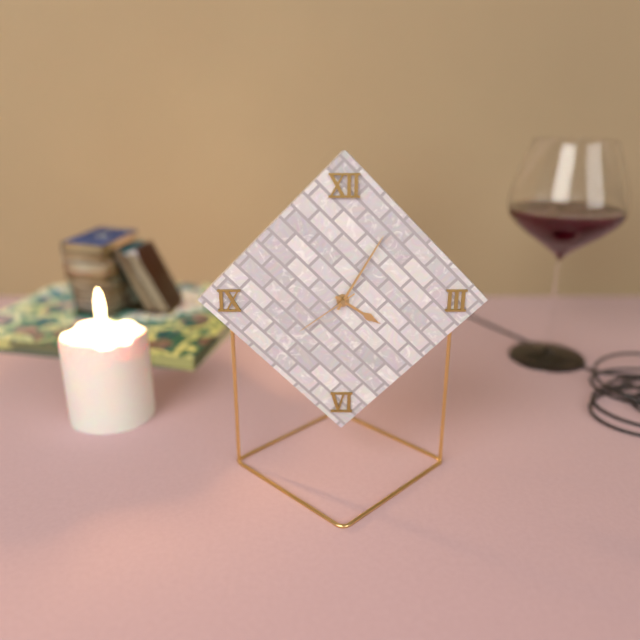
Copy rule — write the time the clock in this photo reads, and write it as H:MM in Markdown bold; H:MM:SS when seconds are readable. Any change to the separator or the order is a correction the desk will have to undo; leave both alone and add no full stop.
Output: **4:05:39**
